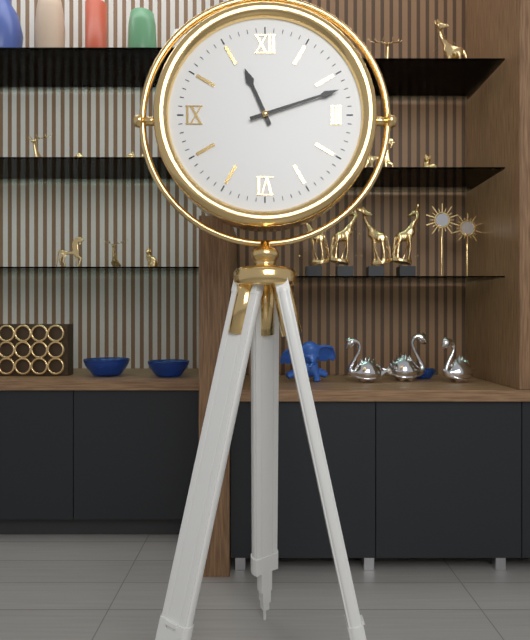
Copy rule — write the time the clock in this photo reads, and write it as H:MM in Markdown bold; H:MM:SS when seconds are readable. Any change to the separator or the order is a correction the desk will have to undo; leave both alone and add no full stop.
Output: **11:12**
